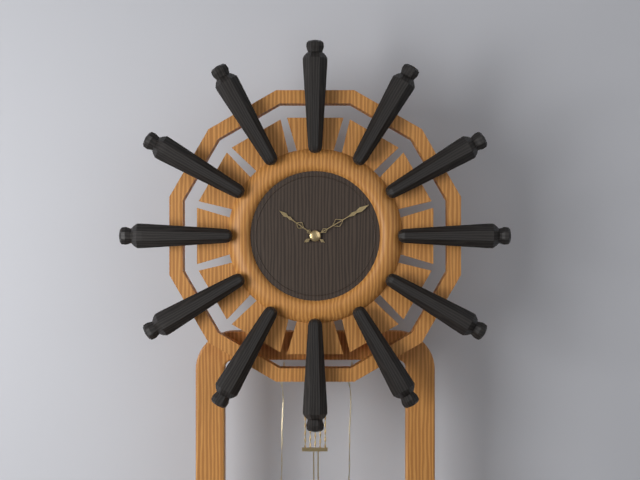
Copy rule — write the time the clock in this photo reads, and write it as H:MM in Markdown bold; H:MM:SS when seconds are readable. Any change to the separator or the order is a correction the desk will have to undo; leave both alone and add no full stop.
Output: **10:10**
